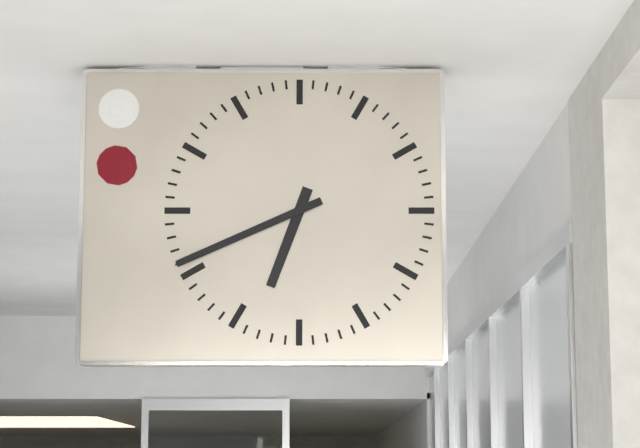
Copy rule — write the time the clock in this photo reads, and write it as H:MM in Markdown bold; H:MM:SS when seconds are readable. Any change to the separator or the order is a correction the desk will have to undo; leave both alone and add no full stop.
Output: **6:41**
